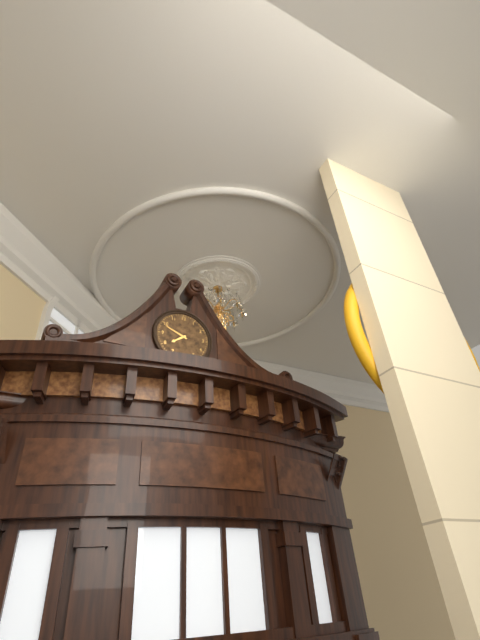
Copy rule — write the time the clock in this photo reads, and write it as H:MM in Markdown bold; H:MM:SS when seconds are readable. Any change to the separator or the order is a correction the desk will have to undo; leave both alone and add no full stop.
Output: **7:49**
